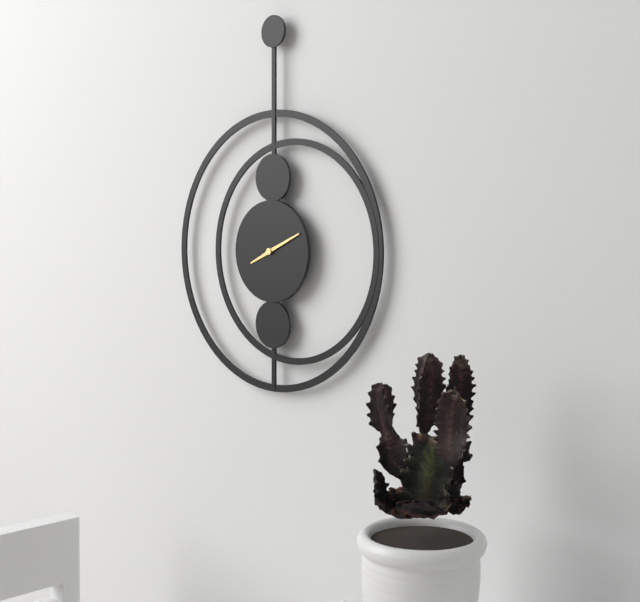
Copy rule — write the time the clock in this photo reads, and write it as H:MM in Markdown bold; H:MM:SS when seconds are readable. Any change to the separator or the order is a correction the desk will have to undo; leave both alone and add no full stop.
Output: **8:11**
